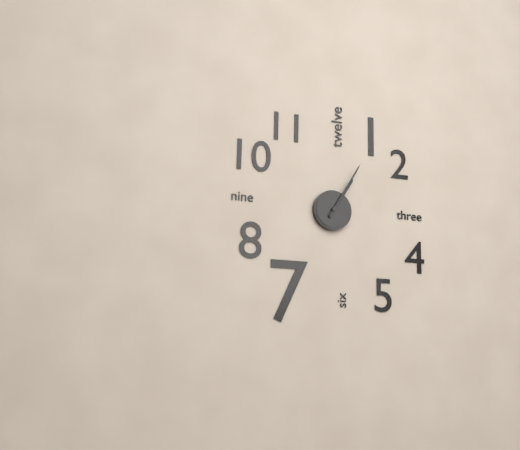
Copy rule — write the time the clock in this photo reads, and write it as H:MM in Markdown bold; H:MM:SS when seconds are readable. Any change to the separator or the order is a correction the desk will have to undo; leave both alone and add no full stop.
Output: **1:05**
